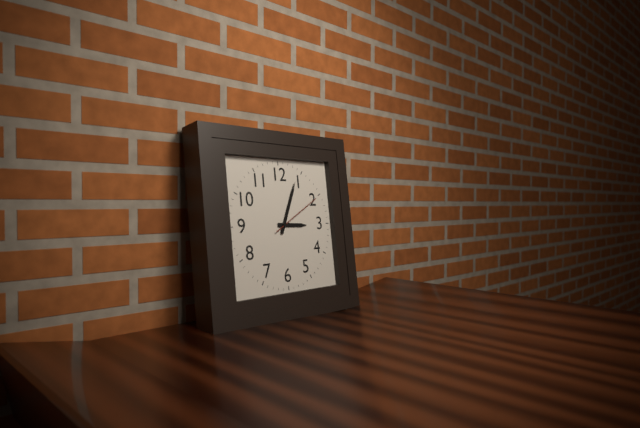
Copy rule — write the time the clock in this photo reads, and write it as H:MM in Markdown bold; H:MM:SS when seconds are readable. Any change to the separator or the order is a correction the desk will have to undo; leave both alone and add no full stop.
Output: **3:04:10**
